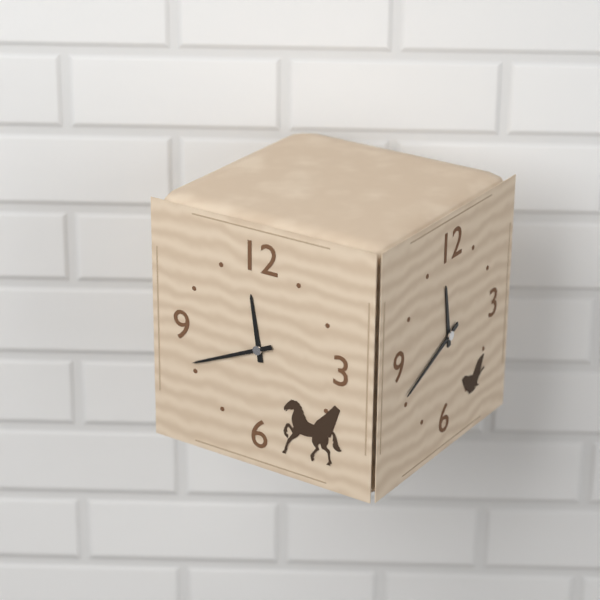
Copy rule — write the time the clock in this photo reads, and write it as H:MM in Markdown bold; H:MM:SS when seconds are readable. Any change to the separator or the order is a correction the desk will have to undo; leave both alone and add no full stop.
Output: **11:41**
